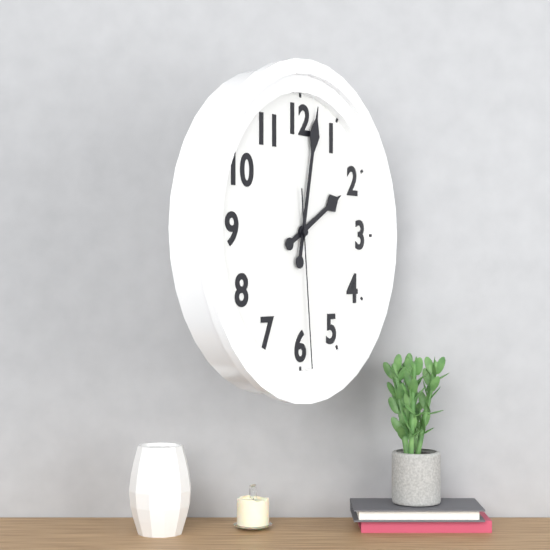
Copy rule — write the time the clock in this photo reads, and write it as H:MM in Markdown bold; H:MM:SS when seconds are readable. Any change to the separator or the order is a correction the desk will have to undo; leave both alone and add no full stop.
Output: **2:02:29**
